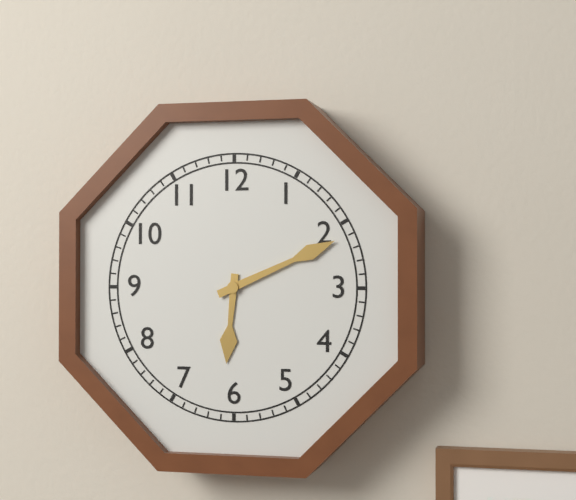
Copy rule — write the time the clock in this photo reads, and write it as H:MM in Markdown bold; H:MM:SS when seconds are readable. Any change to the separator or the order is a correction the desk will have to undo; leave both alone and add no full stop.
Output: **6:11**
